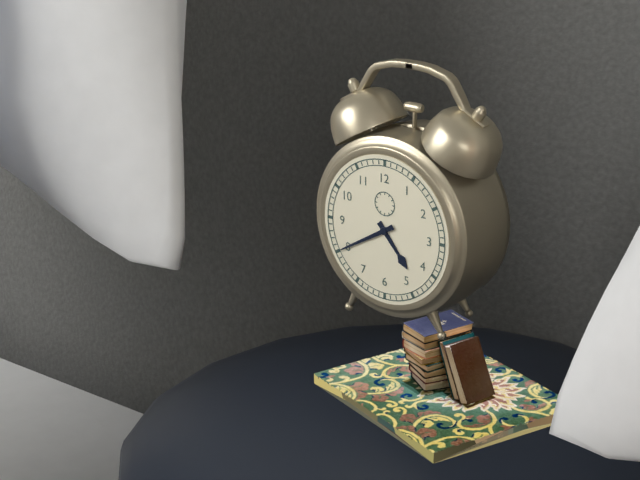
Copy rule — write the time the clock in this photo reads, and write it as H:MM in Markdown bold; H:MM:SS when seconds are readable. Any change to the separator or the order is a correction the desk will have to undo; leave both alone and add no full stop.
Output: **4:40**
